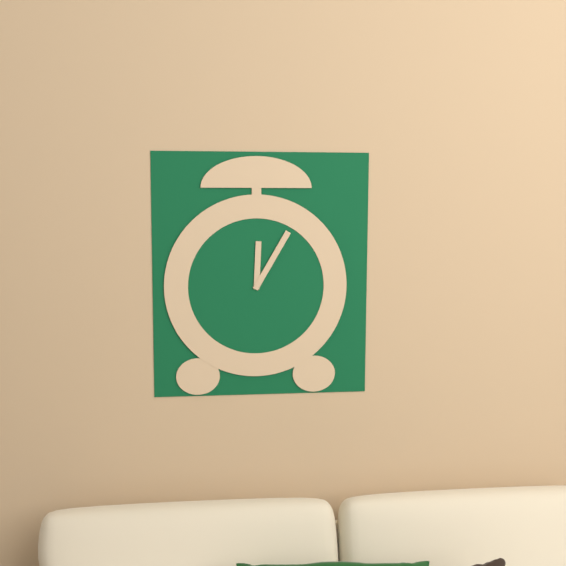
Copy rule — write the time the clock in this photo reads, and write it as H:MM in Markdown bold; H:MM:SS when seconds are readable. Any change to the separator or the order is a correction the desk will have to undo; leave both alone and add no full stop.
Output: **12:05**
